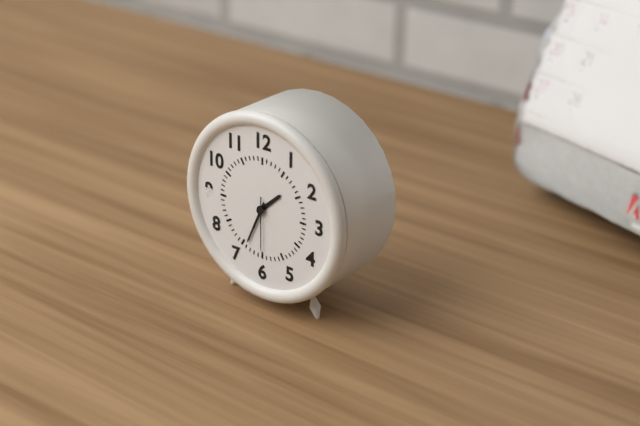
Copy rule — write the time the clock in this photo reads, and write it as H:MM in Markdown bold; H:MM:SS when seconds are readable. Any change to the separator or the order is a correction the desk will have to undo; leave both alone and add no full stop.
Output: **1:34:30**
